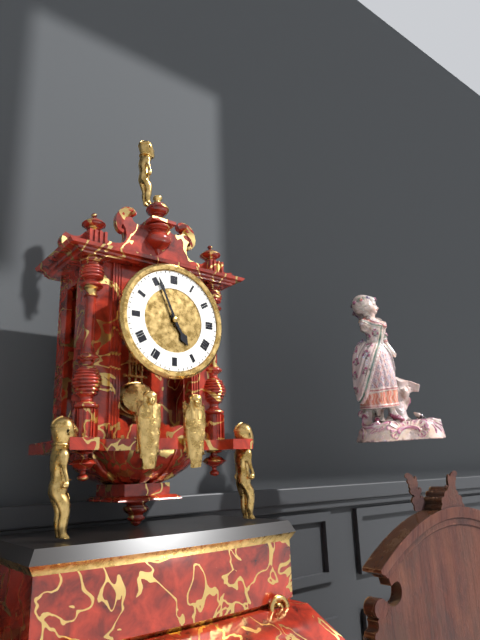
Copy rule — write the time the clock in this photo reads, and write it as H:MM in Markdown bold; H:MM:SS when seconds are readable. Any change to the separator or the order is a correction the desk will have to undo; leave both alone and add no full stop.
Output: **4:56**
